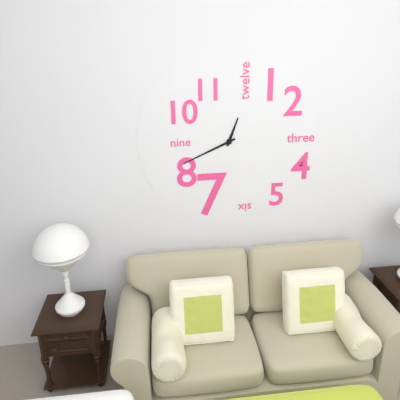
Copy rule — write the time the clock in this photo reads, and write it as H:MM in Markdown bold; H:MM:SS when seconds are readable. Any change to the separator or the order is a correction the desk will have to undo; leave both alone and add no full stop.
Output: **12:41**
